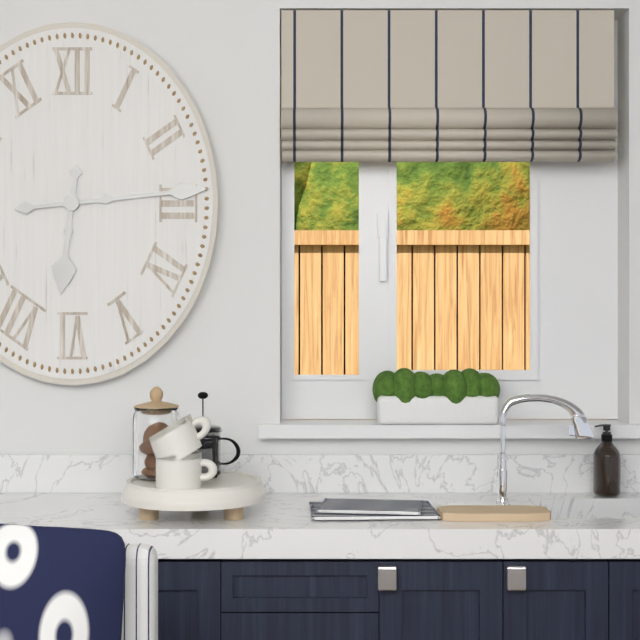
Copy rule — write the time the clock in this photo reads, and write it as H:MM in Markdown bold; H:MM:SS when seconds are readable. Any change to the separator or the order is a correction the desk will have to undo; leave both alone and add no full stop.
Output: **6:14**
